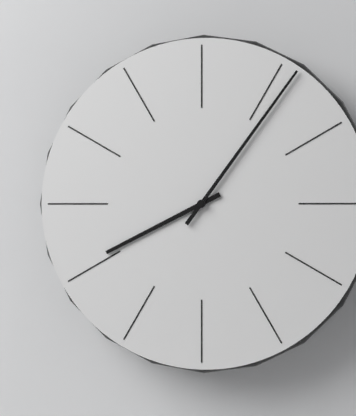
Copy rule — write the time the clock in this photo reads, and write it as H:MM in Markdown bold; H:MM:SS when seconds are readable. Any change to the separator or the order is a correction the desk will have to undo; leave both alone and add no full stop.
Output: **8:06**
